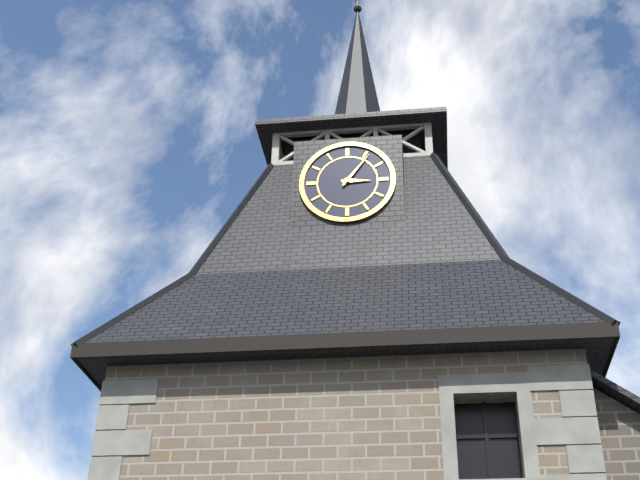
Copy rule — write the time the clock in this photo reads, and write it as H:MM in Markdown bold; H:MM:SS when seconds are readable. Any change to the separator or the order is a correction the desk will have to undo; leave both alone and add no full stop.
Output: **3:06**
